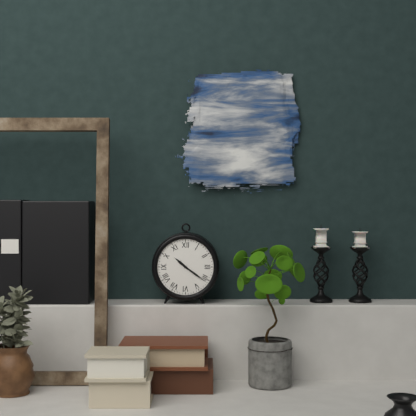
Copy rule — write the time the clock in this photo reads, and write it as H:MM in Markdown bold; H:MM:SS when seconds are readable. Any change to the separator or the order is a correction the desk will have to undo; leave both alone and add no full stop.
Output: **10:21**
